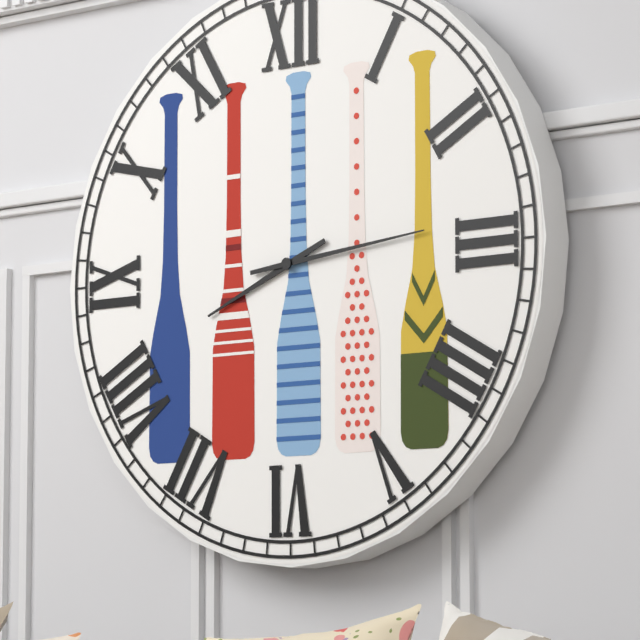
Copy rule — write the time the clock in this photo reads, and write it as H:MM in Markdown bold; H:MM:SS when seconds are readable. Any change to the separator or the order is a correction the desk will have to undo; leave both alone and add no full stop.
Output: **8:14**
